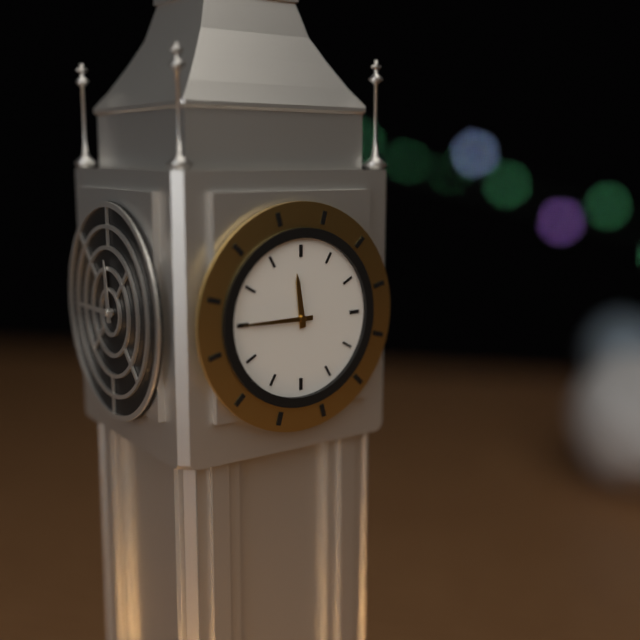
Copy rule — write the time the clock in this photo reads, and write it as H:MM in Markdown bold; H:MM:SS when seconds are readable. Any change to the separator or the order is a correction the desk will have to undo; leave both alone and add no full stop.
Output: **11:45**
